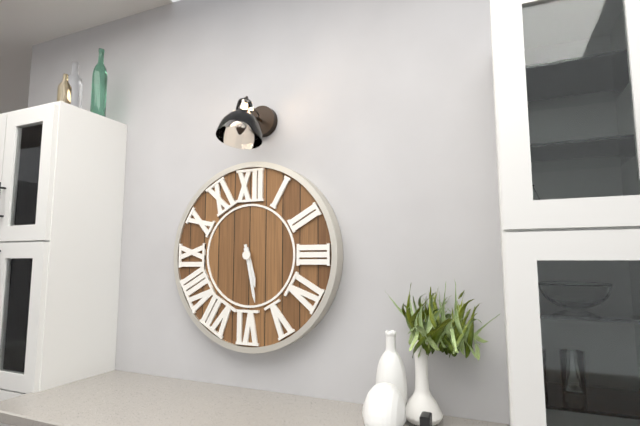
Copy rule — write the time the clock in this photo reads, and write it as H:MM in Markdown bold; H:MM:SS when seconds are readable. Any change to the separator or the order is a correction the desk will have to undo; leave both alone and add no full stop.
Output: **5:28**
